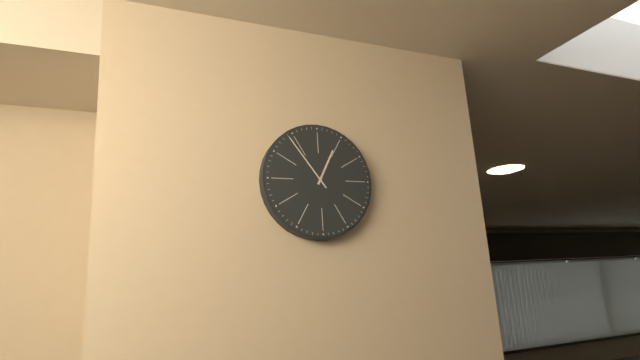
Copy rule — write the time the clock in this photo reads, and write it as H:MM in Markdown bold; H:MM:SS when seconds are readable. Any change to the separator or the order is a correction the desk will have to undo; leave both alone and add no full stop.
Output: **12:54**
